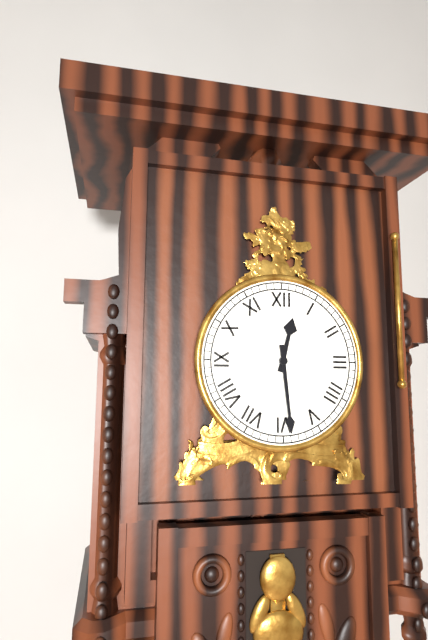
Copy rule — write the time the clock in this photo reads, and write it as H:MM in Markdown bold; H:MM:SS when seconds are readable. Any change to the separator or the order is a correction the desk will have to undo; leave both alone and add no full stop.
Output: **12:29**
